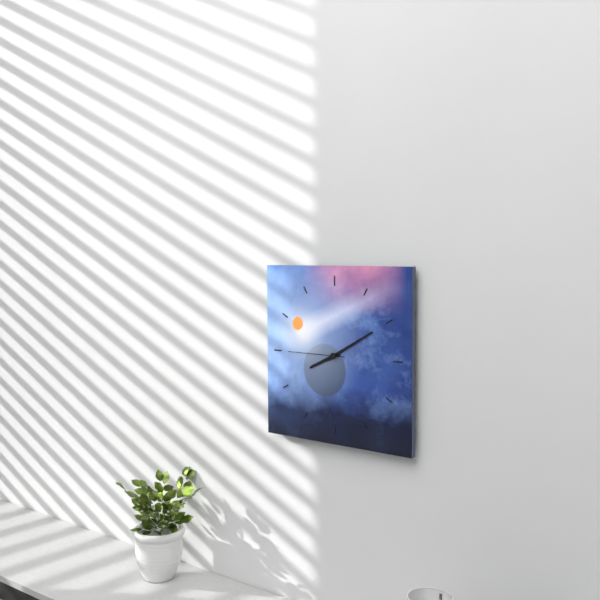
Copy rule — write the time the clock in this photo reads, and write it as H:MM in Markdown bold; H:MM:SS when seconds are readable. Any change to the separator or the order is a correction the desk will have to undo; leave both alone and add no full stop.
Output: **8:10:45**
